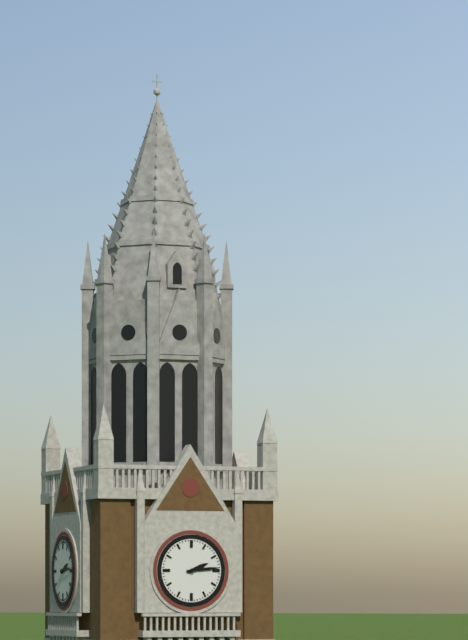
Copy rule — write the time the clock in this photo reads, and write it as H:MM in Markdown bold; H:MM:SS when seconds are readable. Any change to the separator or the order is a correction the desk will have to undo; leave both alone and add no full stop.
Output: **2:14**
